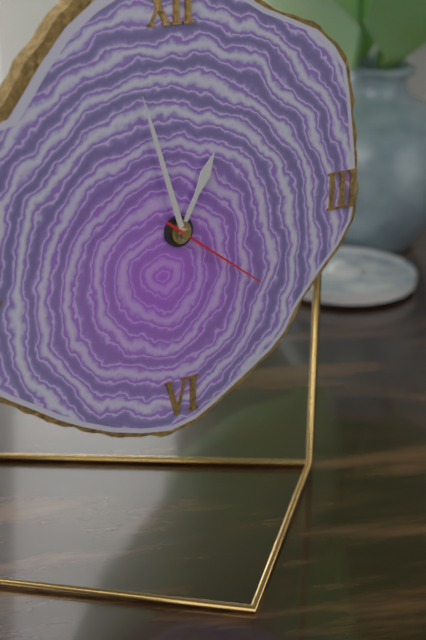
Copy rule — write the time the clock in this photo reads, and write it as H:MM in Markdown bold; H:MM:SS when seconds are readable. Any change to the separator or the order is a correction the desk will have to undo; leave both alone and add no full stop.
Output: **12:57:21**
